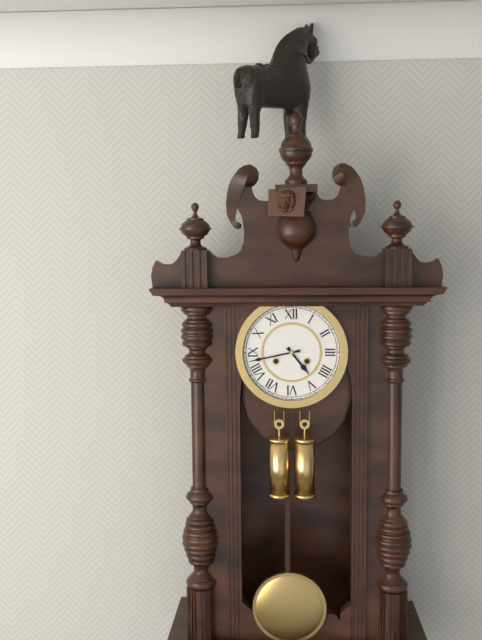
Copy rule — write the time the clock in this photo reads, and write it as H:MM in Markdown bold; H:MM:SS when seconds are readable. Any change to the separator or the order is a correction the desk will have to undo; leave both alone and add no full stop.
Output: **4:43**
